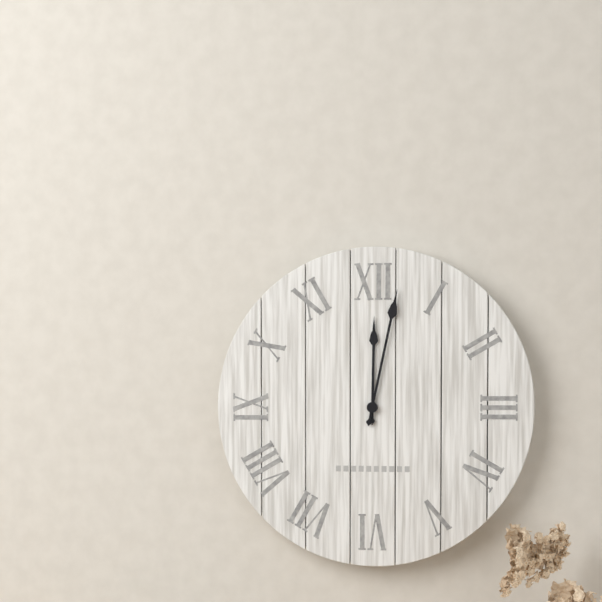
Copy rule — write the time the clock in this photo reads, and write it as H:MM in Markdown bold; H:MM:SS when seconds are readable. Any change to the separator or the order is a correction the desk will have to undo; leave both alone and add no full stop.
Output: **12:02**
